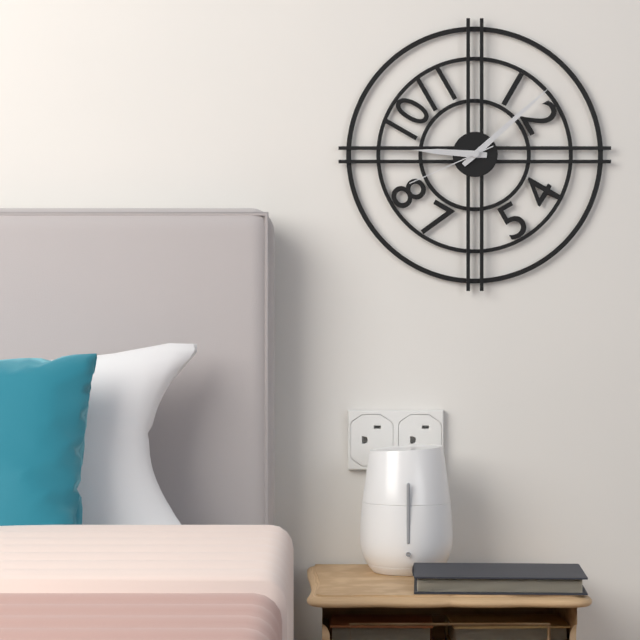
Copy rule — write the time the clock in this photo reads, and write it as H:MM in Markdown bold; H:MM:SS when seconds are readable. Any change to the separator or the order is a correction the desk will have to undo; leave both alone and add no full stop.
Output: **9:08:41**
